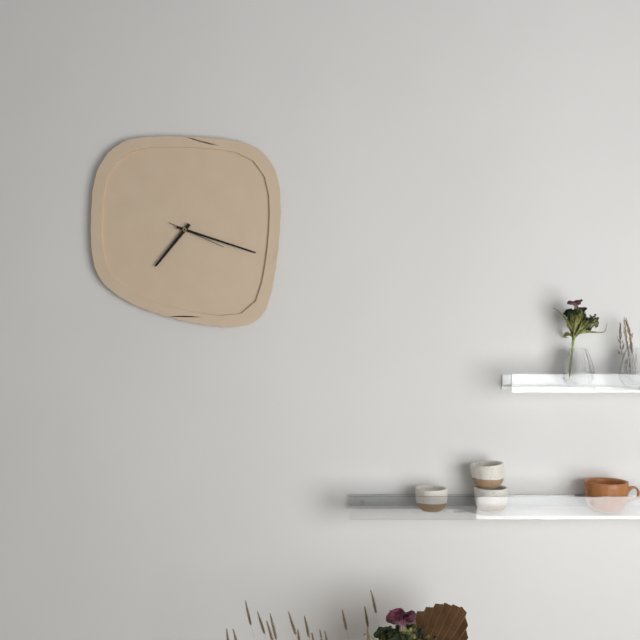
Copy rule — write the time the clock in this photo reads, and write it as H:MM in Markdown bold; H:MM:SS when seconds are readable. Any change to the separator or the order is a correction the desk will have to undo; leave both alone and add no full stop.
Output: **7:18:19**
